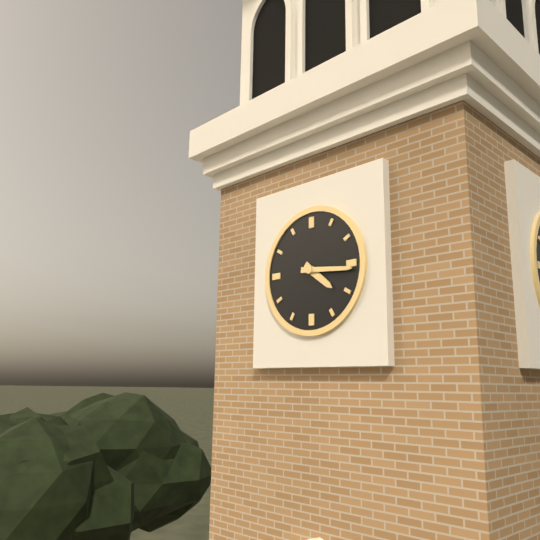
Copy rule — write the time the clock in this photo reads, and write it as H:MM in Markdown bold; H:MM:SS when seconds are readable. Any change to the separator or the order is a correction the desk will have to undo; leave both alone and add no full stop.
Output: **4:16**
